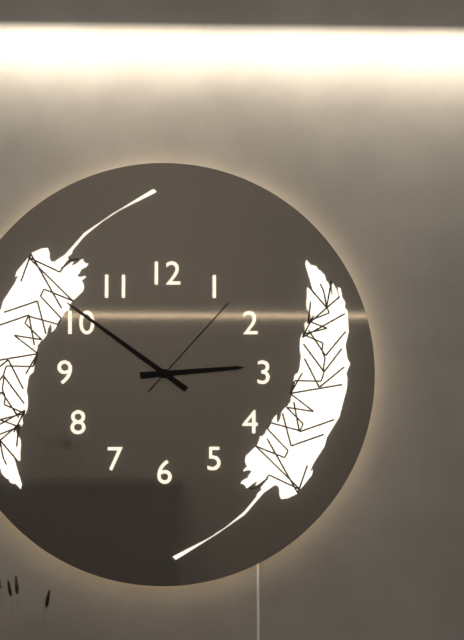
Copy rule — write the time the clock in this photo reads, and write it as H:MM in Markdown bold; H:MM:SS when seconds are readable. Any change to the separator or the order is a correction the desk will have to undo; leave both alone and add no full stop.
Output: **2:51:07**
